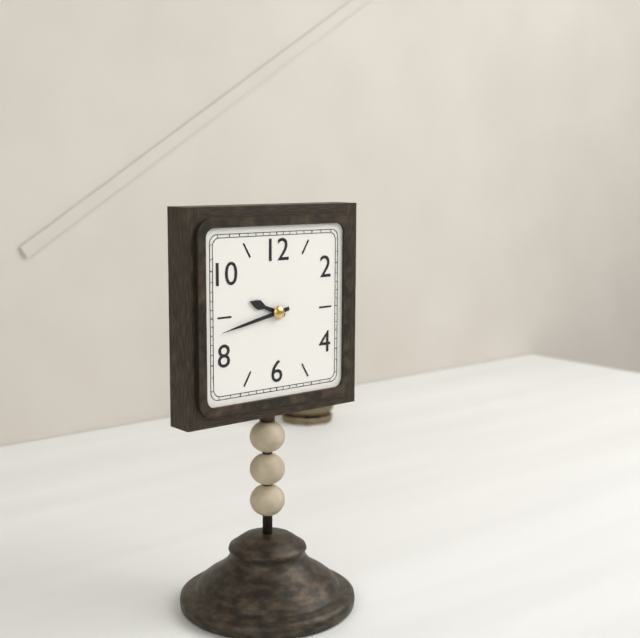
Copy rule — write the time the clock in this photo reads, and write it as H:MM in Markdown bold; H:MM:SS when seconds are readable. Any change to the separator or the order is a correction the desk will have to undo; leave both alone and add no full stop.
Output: **9:43**
